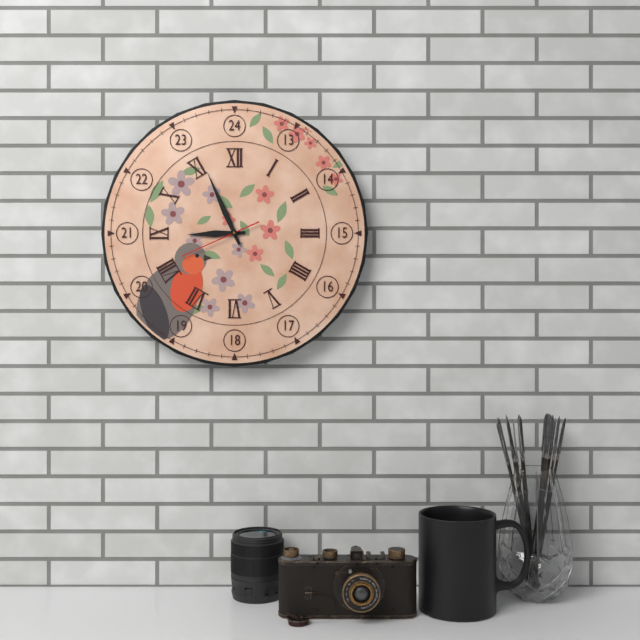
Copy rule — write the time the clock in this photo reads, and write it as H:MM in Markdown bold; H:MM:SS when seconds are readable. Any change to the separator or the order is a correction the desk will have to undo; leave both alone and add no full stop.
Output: **8:56:41**
